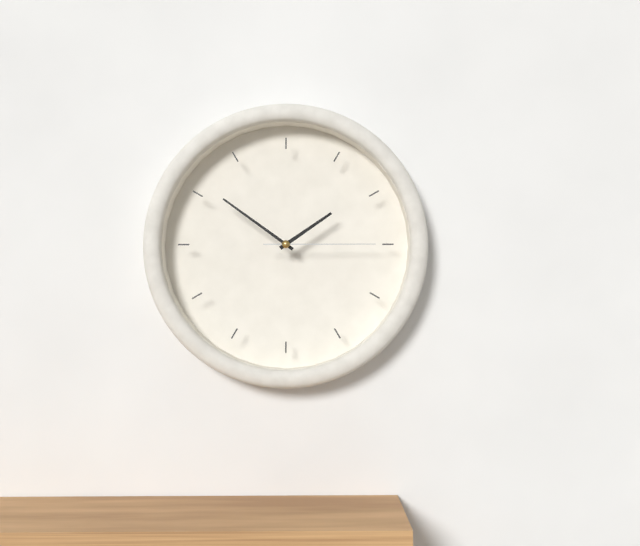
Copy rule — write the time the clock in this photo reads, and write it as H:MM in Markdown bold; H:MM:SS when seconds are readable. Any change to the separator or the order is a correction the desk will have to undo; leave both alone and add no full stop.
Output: **1:51:15**
